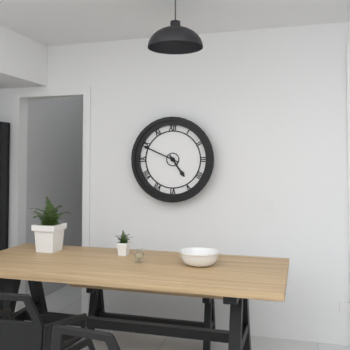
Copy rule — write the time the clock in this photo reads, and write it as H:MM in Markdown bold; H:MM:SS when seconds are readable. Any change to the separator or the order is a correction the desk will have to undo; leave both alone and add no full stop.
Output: **4:49**
